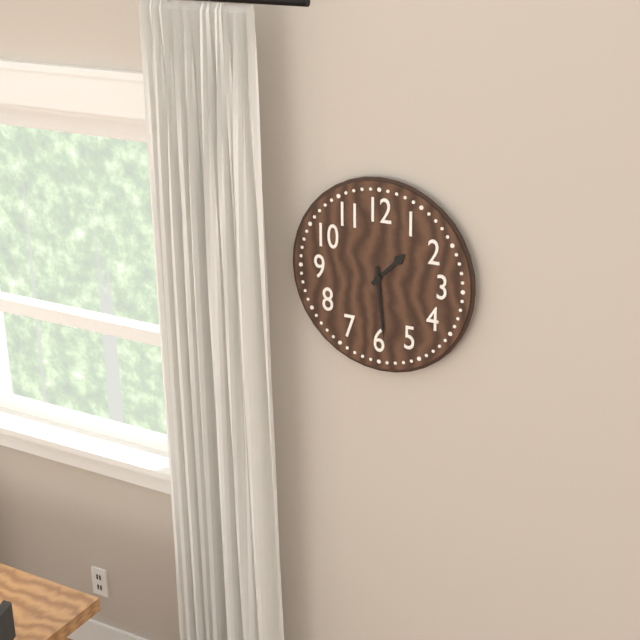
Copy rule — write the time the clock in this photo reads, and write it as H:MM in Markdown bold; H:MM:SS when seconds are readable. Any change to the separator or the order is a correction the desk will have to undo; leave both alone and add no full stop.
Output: **1:29**
